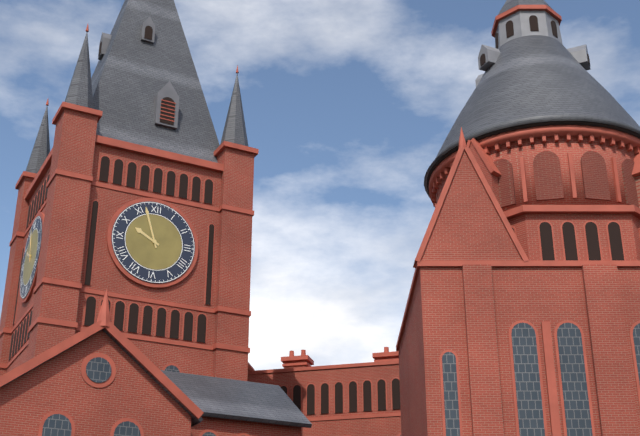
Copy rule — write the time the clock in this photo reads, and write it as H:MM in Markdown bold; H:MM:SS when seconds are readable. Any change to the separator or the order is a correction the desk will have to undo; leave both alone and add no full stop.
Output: **9:57**
